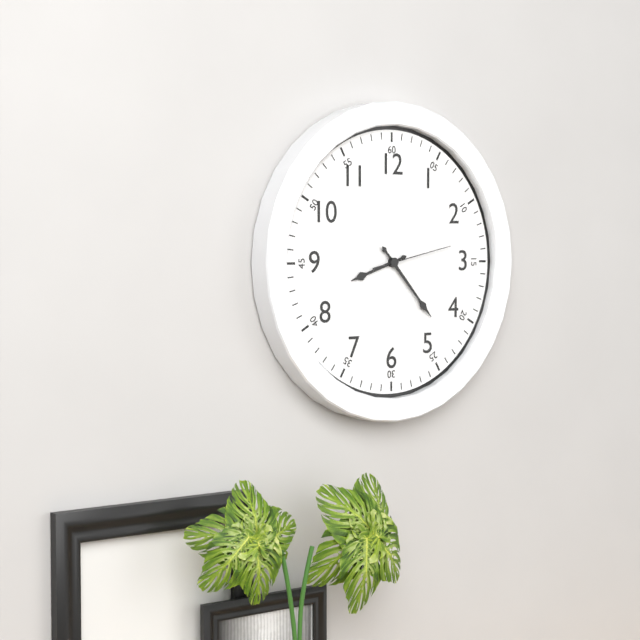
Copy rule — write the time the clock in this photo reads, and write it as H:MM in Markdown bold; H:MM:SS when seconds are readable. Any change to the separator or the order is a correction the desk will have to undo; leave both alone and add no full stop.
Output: **8:23:13**
